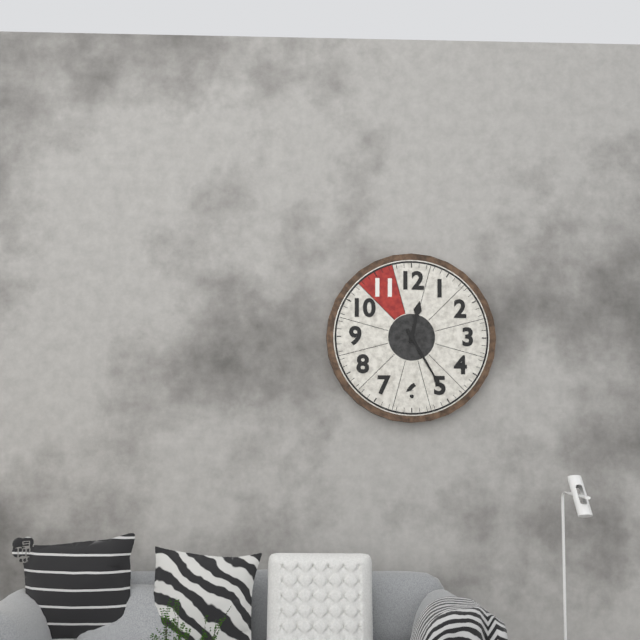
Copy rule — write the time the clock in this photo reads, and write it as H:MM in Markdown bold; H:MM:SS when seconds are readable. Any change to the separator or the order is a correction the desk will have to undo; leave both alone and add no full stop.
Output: **12:25**
